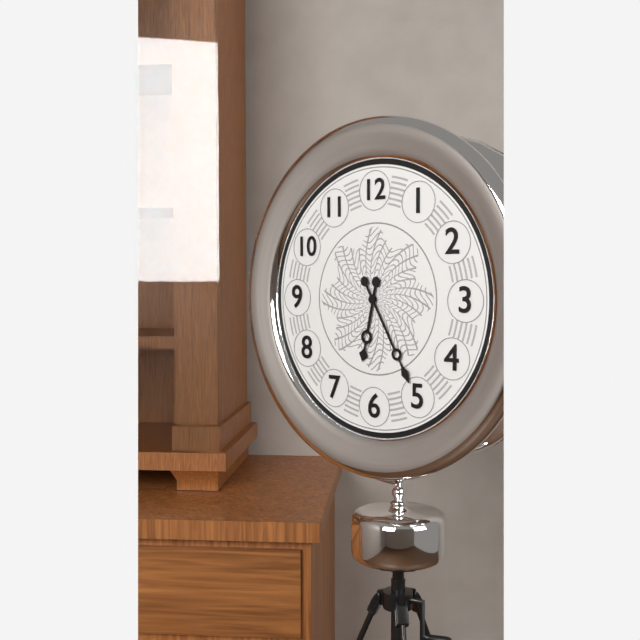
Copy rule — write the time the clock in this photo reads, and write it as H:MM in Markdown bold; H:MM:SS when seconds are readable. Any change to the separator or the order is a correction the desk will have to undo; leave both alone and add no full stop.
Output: **6:25**
